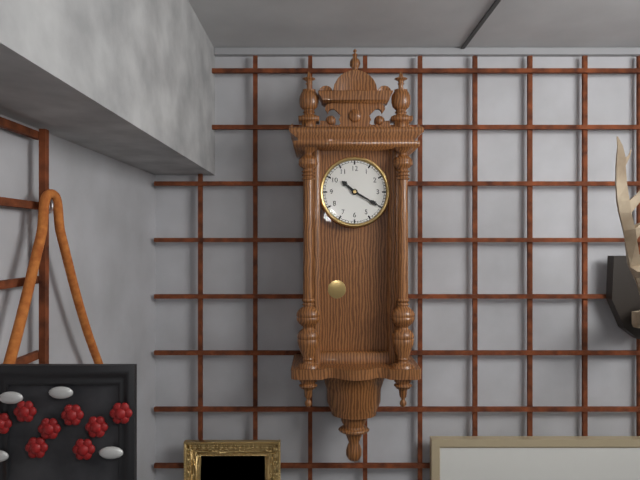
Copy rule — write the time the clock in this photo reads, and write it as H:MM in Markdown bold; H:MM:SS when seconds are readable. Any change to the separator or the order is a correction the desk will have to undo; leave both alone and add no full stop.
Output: **10:20**
